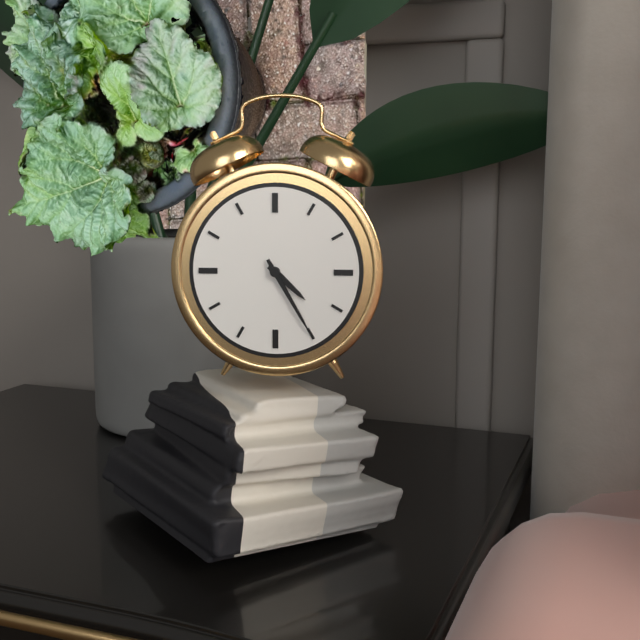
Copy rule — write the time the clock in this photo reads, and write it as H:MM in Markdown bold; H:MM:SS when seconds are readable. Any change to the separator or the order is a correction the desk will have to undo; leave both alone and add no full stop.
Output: **4:25**
